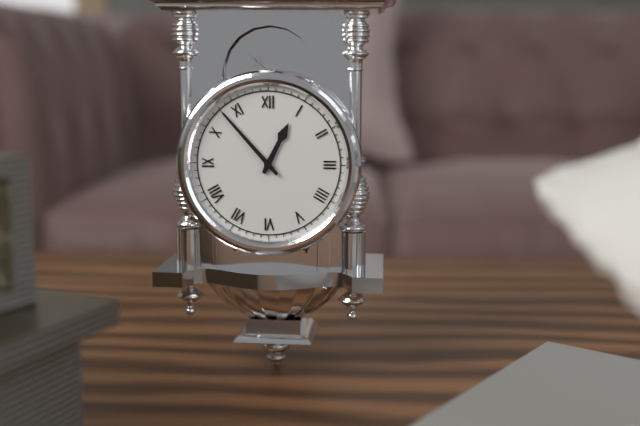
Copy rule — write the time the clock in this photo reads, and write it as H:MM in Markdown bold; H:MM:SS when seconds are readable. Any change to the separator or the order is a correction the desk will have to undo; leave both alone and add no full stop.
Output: **12:53**
